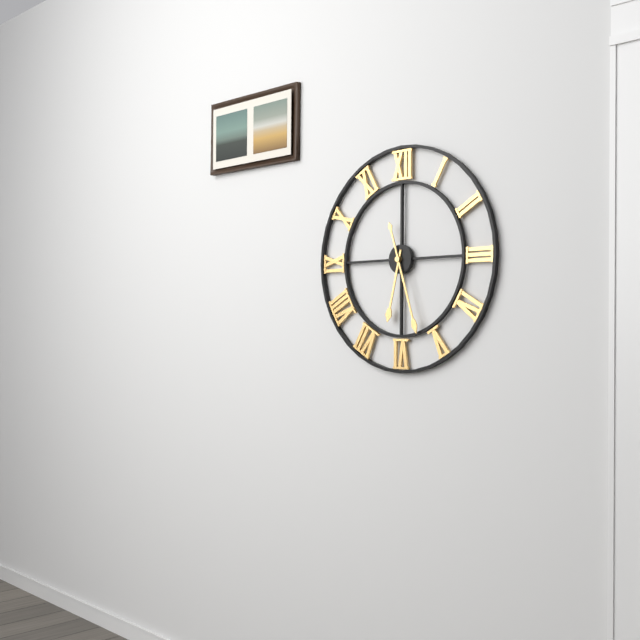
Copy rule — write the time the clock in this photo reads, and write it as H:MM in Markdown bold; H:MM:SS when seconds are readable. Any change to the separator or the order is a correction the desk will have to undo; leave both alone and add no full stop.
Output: **6:27**
